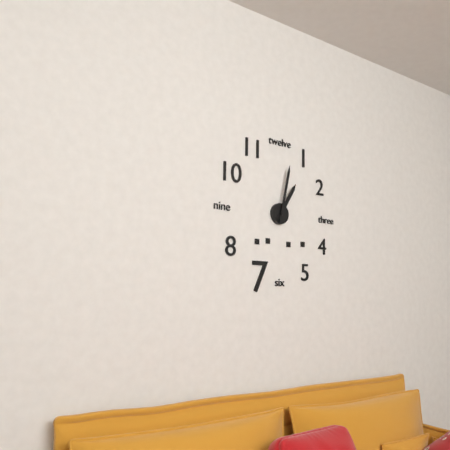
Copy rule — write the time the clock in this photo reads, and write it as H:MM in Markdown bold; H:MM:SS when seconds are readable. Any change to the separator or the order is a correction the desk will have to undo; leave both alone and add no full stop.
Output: **1:02**
